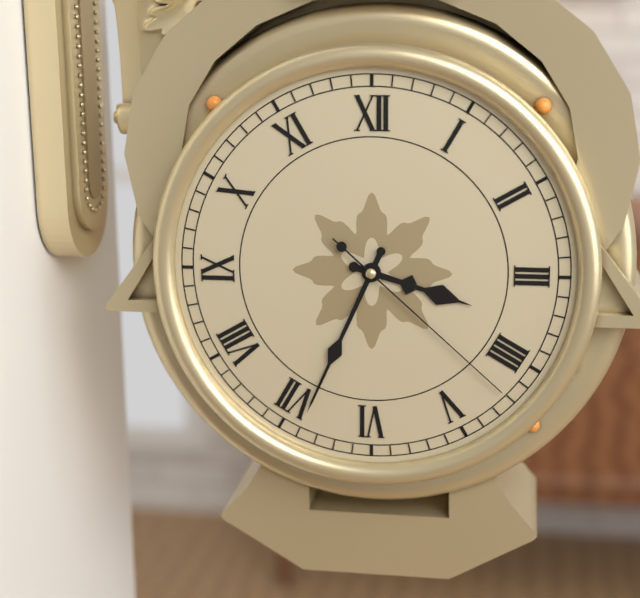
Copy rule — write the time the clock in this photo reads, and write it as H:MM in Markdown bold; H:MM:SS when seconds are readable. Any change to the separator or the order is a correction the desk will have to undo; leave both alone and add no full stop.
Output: **3:34:22**
